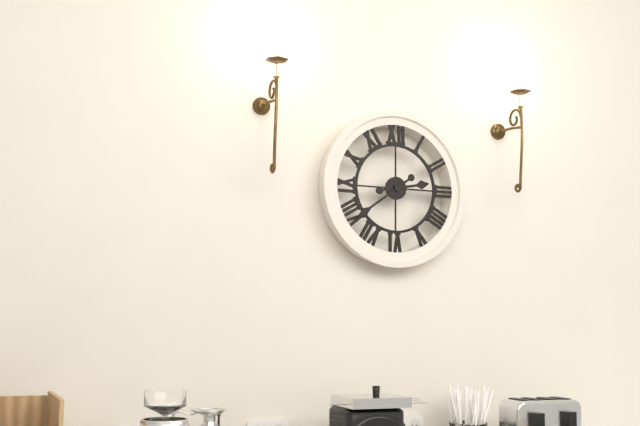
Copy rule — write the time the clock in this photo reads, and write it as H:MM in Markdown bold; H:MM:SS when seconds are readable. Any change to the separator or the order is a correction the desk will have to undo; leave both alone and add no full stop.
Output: **2:39**
